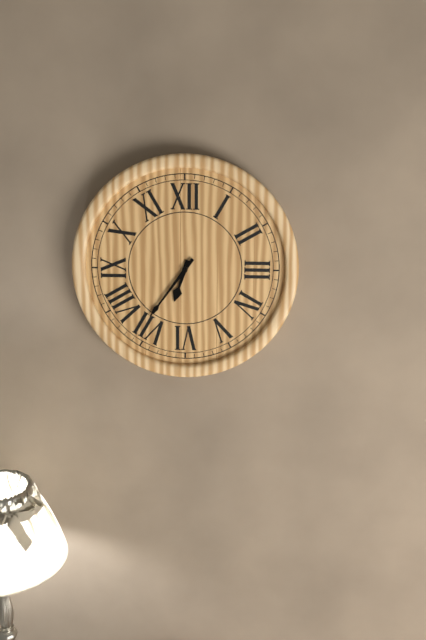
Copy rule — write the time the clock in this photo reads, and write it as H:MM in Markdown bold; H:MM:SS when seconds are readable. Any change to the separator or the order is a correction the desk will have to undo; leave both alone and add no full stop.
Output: **6:36**
